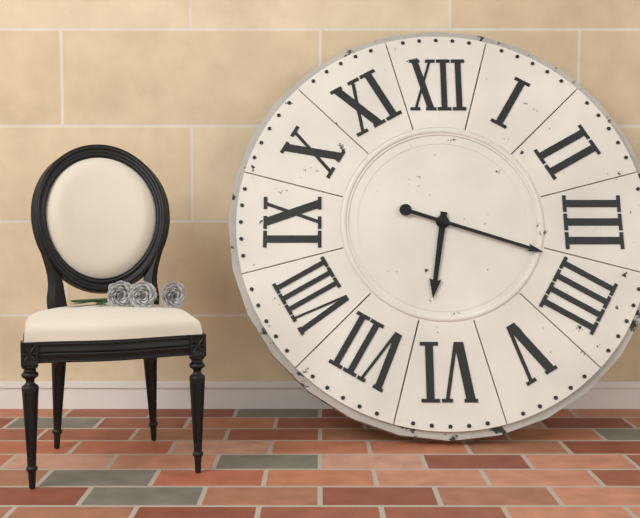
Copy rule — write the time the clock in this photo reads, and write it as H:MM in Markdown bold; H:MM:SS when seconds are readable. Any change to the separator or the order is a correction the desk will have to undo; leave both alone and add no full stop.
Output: **6:18**
